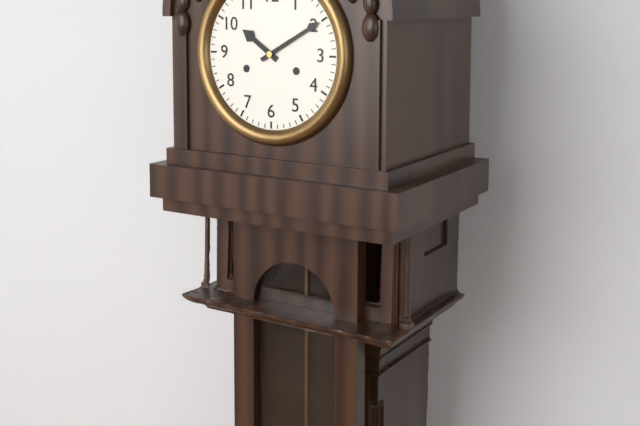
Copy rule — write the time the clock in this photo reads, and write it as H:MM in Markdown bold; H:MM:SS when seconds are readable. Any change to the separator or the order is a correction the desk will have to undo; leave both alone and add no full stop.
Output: **10:10**
